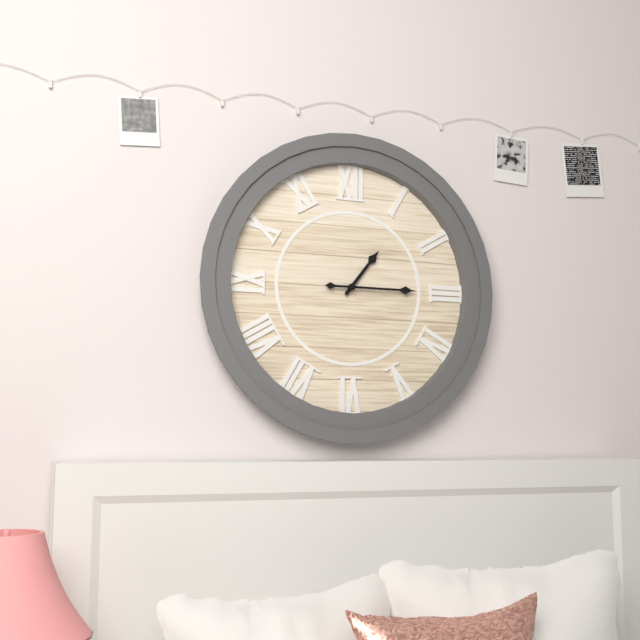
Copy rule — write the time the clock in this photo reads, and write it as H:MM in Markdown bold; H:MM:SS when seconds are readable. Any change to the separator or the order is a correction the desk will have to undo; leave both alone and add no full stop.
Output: **1:15**
